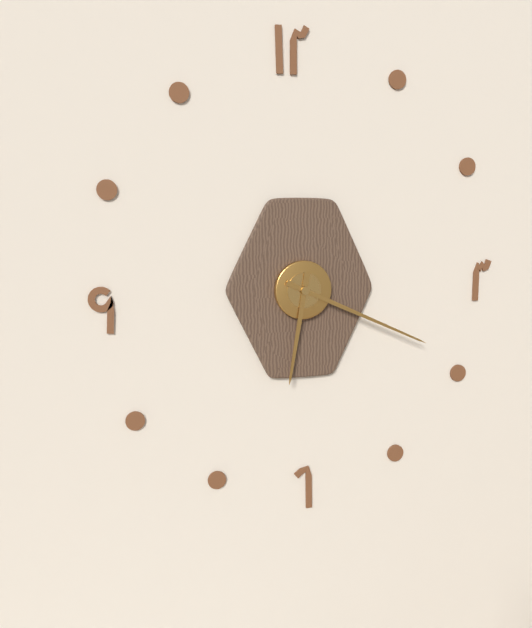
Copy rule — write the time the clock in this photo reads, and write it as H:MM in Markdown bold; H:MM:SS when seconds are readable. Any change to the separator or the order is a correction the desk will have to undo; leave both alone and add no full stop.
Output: **6:19**
